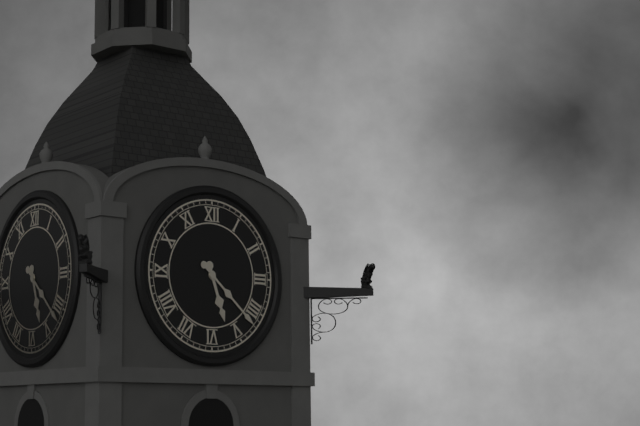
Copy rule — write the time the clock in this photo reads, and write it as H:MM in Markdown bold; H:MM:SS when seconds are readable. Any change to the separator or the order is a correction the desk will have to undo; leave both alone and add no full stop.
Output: **5:22**
